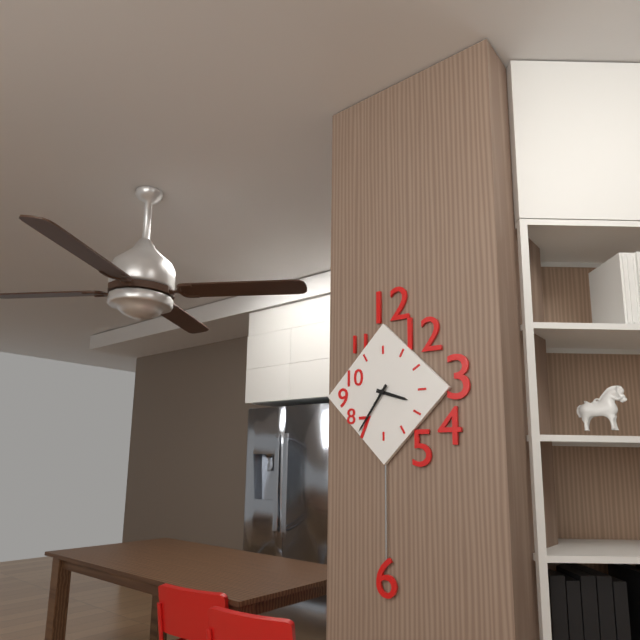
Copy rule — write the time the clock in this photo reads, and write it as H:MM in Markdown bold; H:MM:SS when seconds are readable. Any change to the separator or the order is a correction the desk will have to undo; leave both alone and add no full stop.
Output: **3:36**
